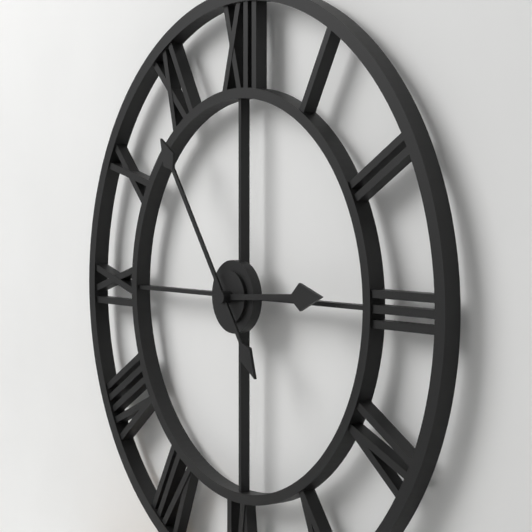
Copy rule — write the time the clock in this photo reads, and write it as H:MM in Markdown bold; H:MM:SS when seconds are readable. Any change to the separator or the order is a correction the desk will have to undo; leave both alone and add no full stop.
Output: **2:54**
